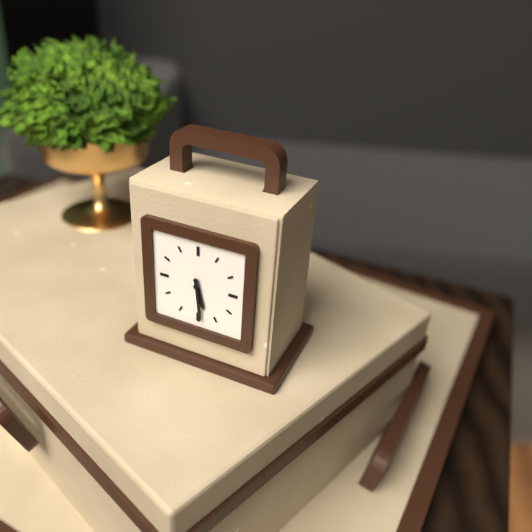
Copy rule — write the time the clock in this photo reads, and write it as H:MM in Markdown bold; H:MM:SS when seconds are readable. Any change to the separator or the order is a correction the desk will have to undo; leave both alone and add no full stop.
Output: **5:29**
